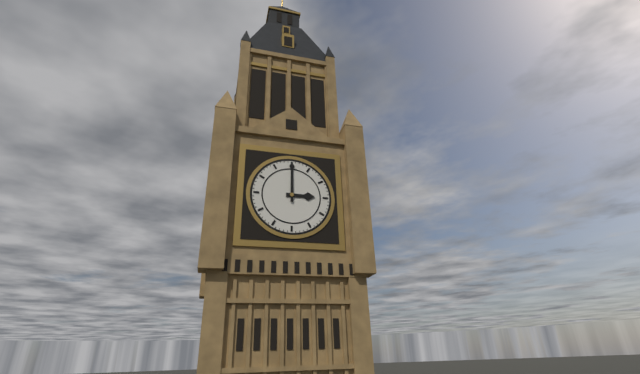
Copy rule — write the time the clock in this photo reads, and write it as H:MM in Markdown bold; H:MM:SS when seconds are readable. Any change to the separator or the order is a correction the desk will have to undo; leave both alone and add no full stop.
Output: **3:00**
